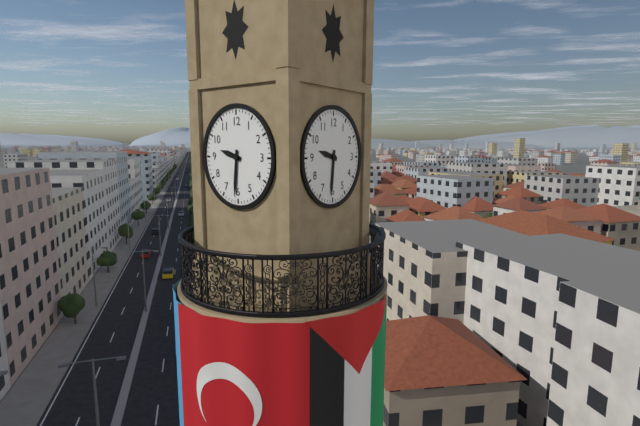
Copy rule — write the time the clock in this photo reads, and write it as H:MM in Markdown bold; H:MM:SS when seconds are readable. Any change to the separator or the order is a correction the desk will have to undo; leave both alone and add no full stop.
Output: **9:31**
